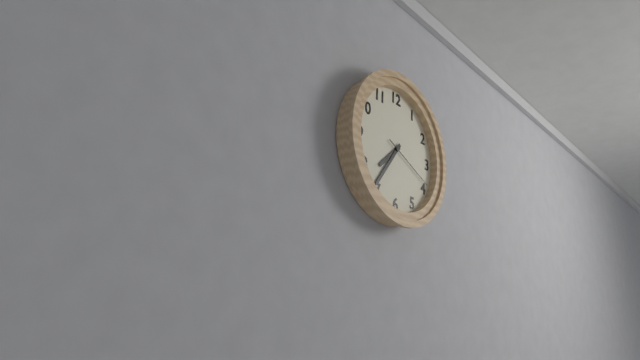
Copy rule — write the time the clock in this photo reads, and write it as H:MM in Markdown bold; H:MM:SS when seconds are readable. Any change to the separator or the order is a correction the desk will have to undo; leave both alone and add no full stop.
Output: **7:36:19**
